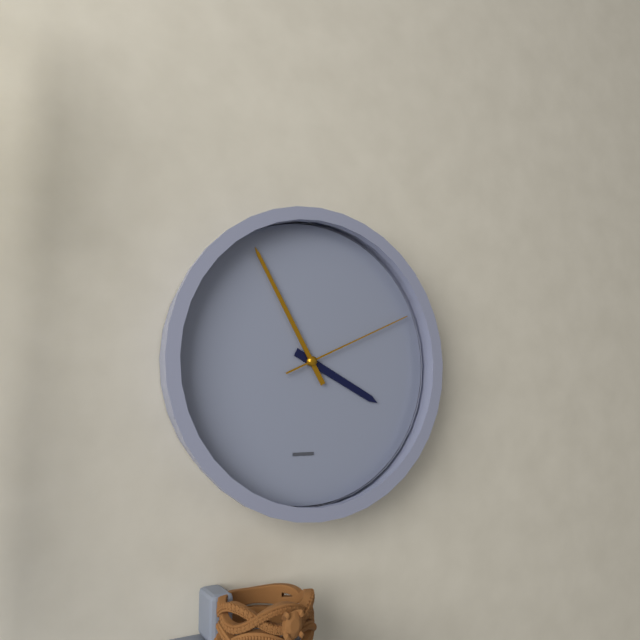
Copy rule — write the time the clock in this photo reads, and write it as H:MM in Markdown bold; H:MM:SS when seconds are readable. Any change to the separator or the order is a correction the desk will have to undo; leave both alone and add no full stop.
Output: **3:55:11**
